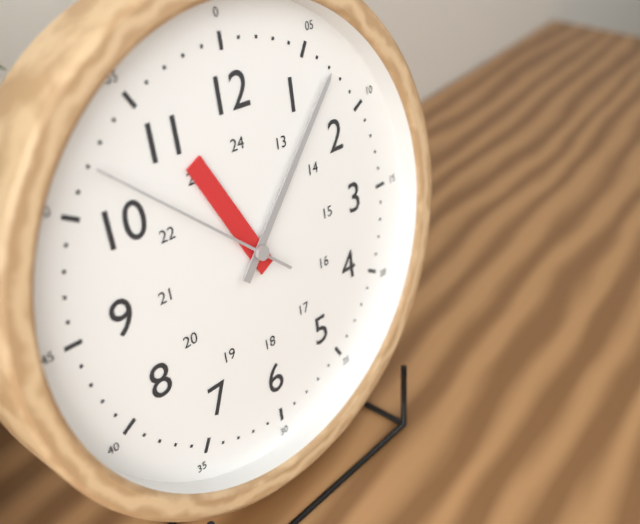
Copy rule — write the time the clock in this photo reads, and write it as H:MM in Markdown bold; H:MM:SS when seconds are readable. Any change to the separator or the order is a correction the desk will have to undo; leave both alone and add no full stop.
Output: **11:07:52**
